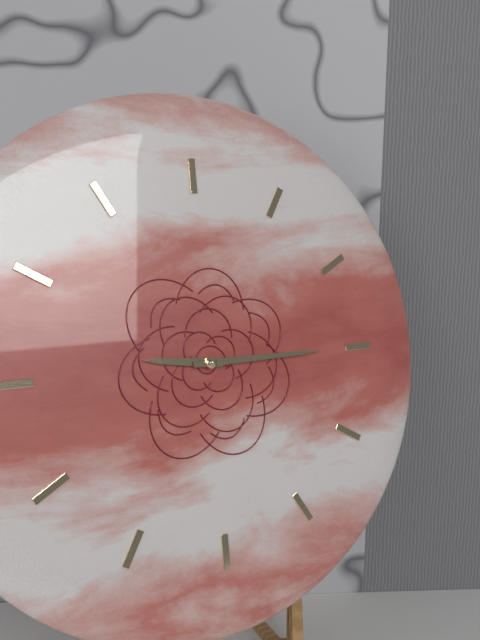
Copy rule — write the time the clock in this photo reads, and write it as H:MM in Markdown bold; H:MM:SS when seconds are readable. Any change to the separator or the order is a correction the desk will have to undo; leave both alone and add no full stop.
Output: **9:15**
